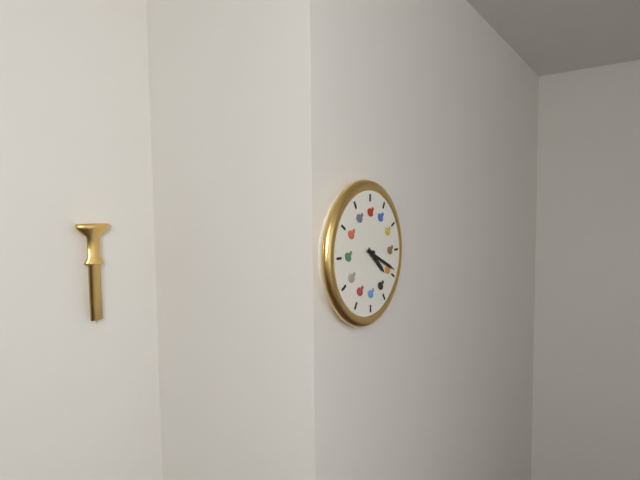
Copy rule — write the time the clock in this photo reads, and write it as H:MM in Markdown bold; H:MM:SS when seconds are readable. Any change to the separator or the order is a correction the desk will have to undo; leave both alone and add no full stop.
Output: **4:19**
